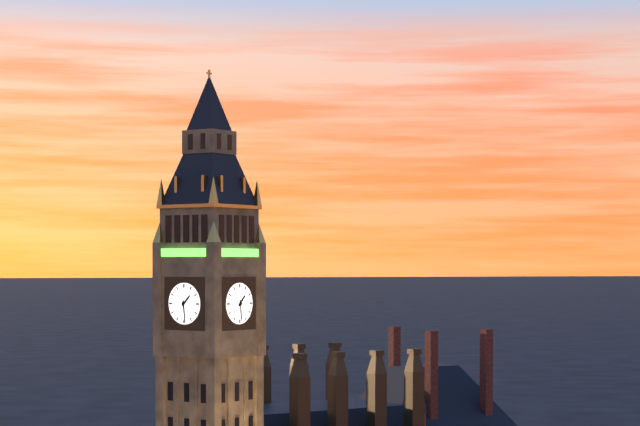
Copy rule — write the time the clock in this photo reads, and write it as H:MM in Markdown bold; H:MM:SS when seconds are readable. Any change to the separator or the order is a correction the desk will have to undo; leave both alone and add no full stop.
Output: **1:29**
